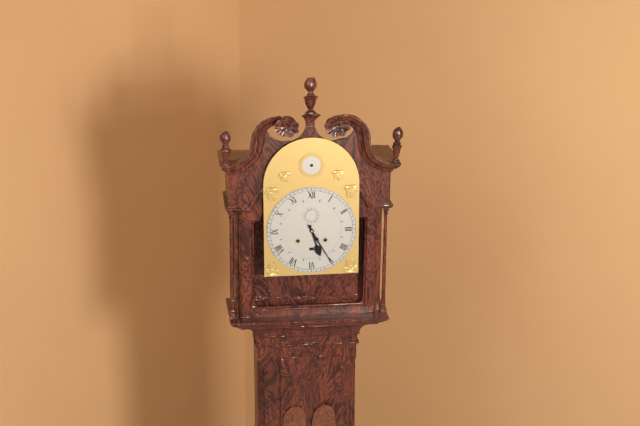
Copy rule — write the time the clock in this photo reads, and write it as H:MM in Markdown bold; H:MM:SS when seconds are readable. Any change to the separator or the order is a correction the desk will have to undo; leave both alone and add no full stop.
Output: **5:25**
